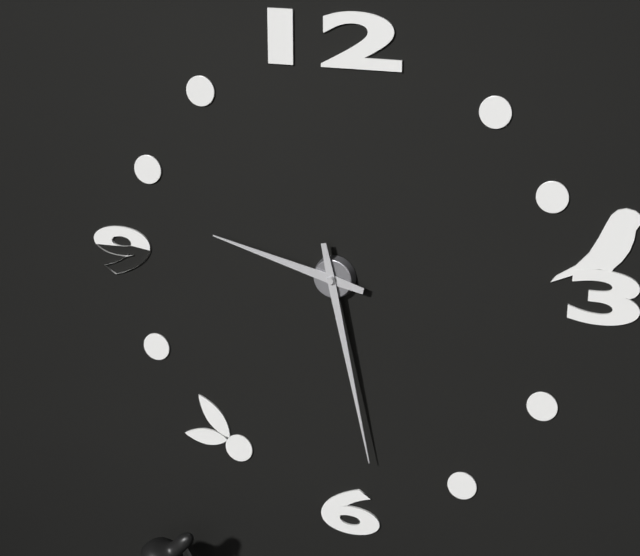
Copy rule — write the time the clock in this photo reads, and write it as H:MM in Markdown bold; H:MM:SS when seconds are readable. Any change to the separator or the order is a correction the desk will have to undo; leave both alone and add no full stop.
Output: **9:28**
